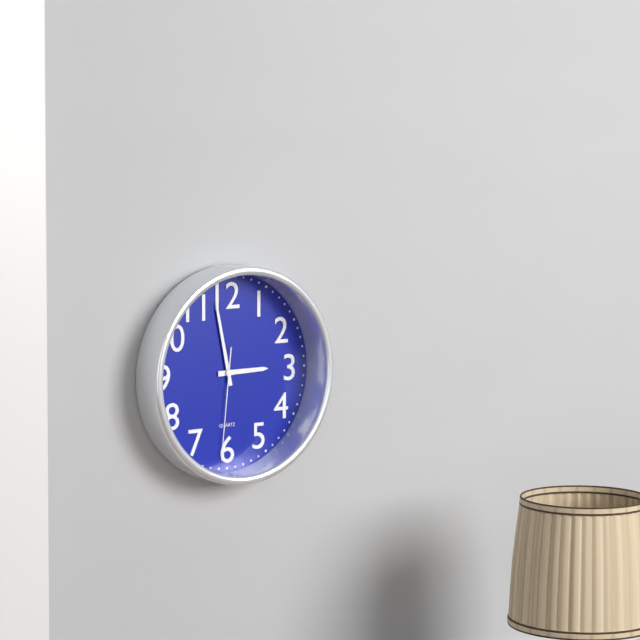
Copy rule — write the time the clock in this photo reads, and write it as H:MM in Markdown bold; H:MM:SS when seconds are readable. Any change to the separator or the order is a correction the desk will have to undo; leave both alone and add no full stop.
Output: **2:58:31**
